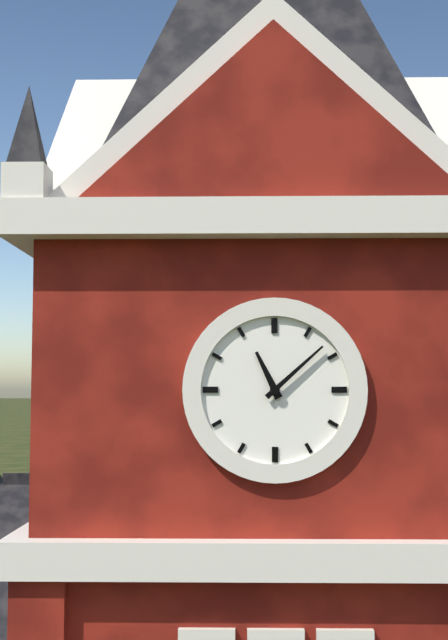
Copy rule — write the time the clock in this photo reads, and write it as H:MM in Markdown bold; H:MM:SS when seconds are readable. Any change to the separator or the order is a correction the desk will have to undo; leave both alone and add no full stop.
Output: **11:08**
